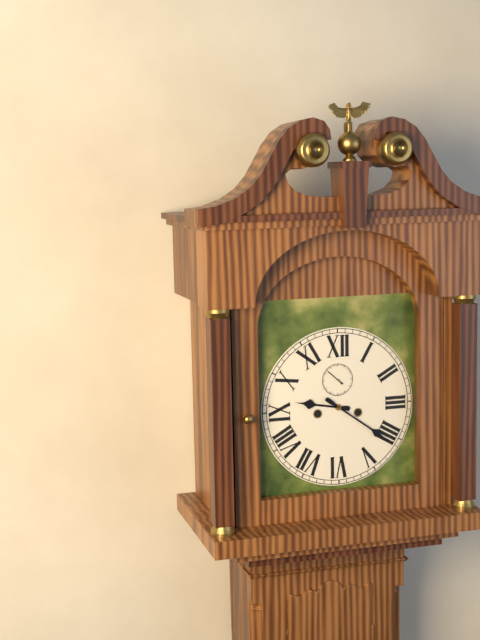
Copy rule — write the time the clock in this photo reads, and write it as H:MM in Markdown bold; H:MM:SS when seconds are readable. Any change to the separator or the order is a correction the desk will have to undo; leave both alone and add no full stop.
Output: **9:21**
